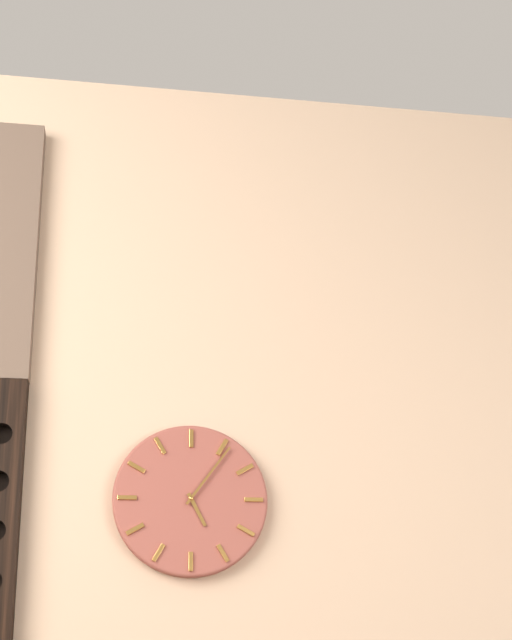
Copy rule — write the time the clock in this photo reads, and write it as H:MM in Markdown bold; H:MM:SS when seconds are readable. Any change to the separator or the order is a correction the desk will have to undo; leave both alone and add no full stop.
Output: **5:06**
